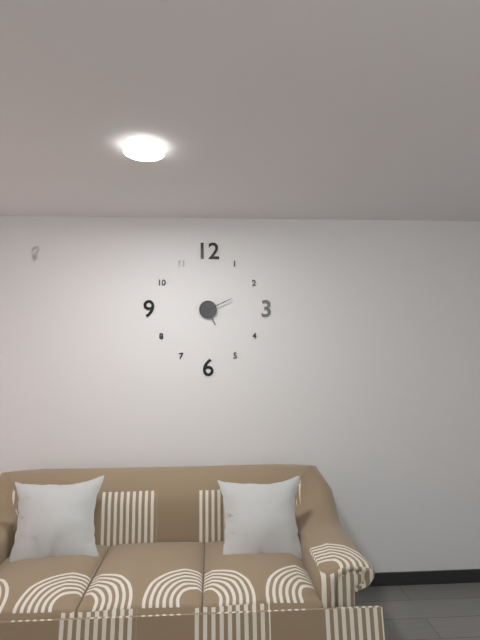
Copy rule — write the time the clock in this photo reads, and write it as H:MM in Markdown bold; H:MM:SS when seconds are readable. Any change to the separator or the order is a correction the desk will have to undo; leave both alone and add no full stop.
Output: **5:11**
